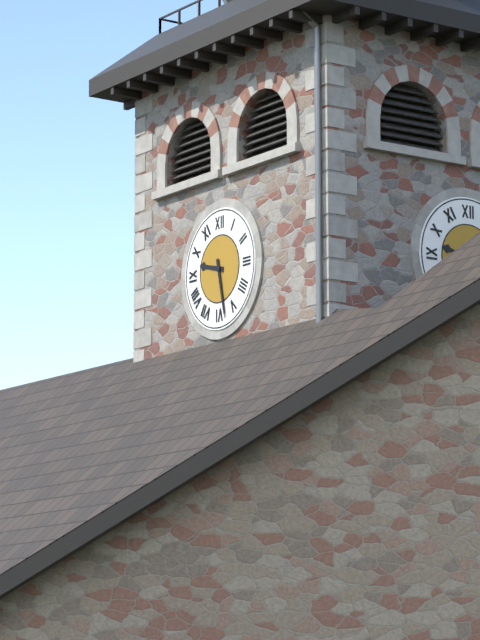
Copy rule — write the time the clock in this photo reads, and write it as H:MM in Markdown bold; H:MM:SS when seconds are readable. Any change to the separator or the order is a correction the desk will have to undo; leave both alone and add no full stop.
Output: **9:28**
